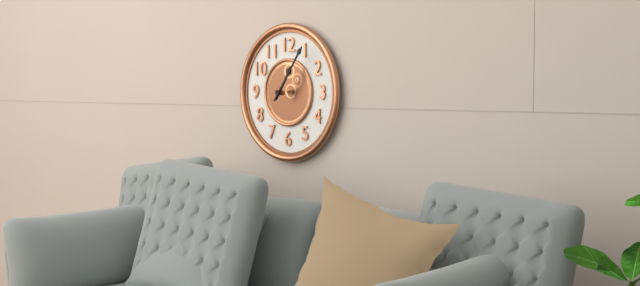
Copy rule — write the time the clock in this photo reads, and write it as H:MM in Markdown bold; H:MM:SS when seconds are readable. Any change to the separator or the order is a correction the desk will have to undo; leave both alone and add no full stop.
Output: **1:06**
